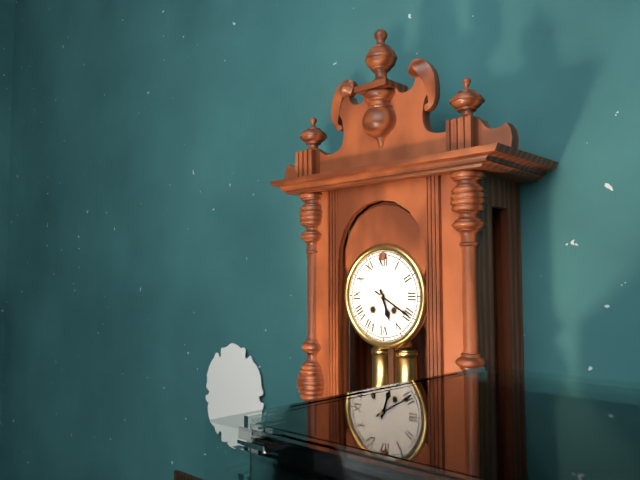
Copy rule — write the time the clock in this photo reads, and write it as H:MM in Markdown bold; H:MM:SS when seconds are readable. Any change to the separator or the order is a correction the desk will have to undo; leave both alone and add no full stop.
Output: **5:20**
